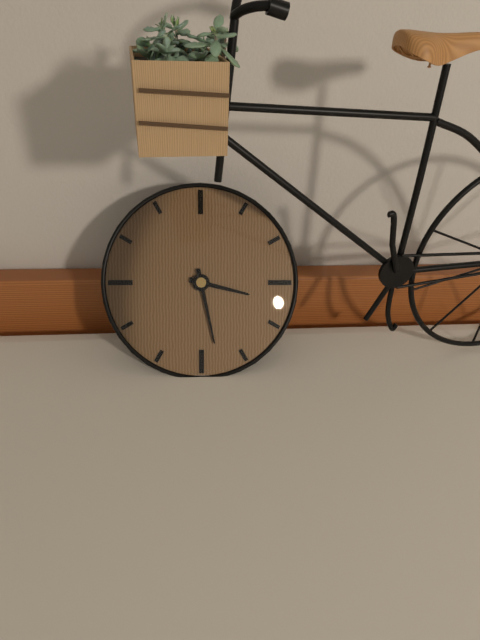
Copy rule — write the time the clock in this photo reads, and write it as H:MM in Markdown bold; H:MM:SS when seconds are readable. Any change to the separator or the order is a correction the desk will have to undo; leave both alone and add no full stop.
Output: **3:28**
